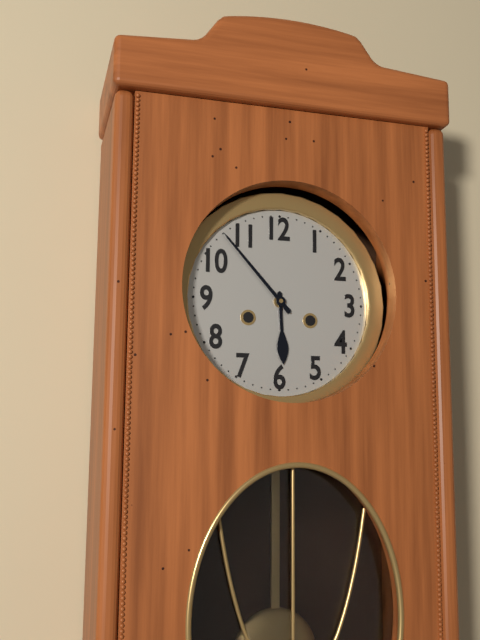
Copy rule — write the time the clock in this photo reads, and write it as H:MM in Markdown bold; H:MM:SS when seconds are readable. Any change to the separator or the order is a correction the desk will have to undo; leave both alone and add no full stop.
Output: **5:53**
